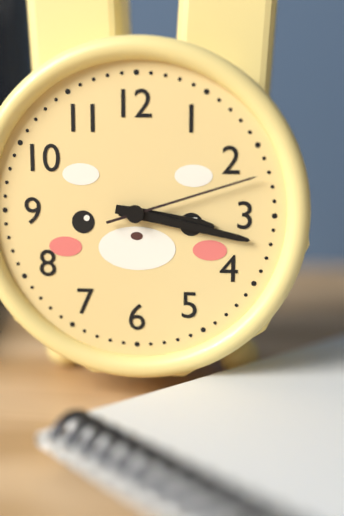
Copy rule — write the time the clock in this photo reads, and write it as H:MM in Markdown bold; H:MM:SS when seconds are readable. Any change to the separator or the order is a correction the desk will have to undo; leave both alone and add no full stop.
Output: **3:17:12**
